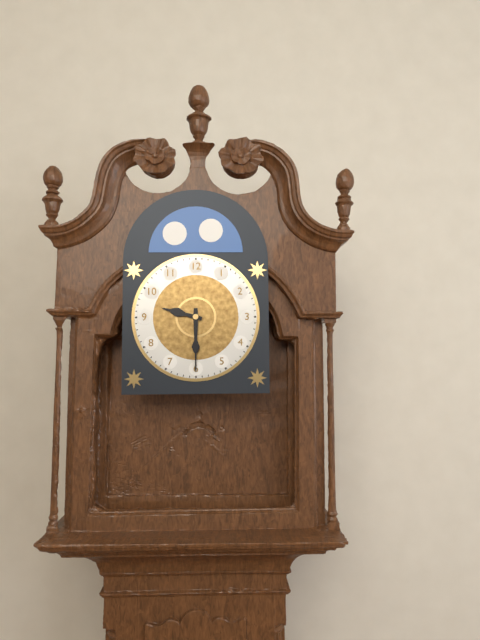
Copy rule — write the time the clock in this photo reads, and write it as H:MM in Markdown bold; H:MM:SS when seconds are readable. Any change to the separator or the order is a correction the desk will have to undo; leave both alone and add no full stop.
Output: **9:30**
